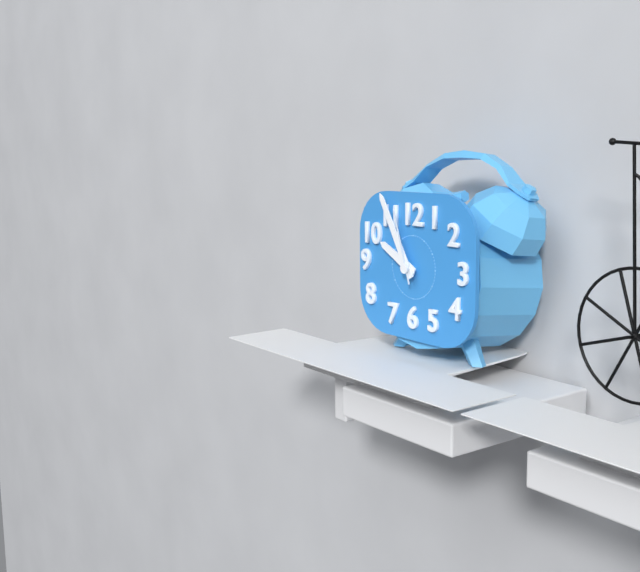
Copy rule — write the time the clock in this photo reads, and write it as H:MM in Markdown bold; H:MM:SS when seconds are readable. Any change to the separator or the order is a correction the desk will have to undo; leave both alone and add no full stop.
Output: **9:55:57**
